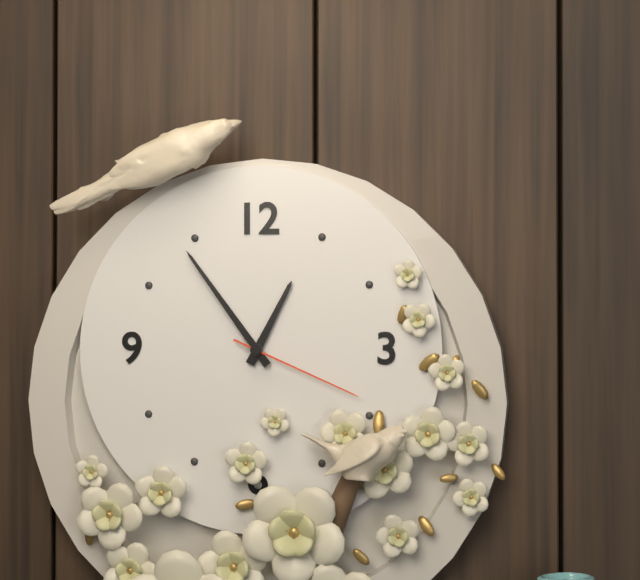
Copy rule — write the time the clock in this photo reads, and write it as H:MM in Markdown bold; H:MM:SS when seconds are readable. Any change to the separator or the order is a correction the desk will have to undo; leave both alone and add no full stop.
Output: **12:54:19**
